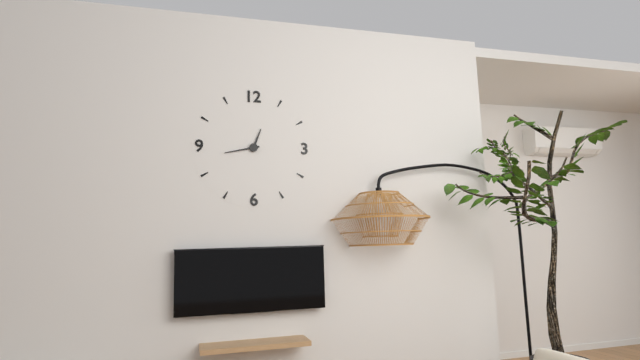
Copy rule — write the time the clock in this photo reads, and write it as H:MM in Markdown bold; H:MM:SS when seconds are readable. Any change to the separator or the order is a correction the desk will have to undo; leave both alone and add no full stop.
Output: **12:43**
